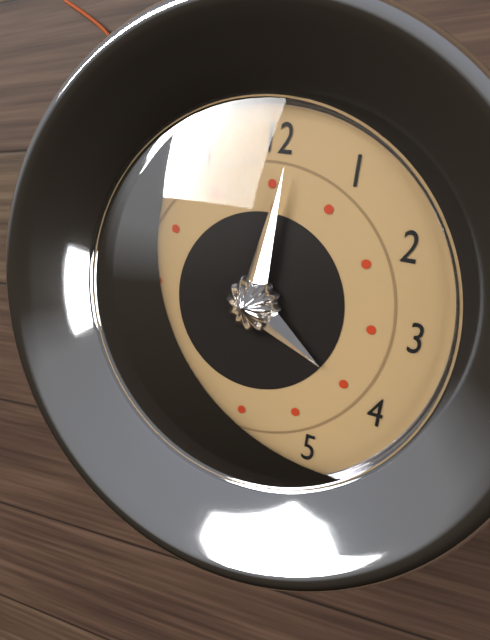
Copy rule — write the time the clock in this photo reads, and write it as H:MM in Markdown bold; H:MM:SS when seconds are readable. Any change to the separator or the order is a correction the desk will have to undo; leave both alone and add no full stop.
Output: **4:01**
